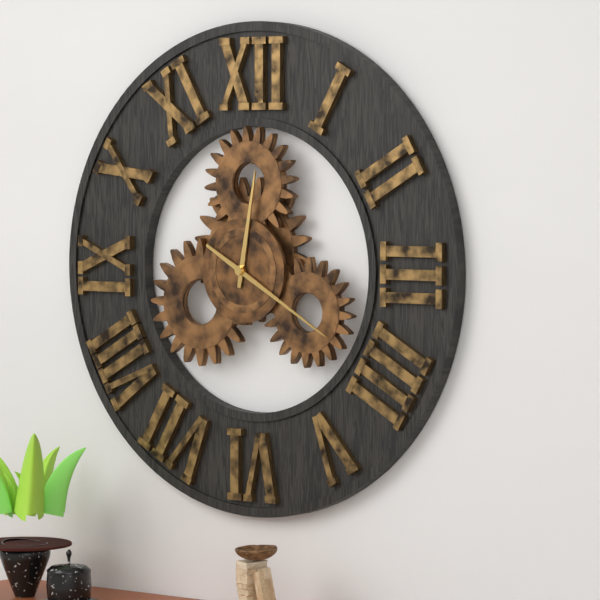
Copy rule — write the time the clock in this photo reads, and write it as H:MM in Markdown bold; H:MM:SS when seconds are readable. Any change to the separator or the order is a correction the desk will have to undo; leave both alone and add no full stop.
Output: **12:20**
